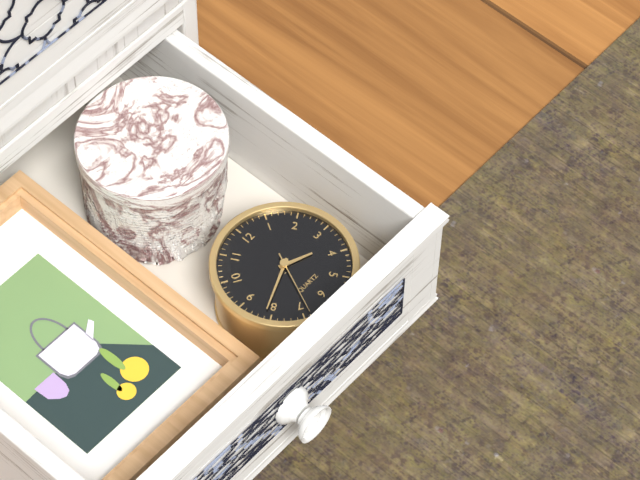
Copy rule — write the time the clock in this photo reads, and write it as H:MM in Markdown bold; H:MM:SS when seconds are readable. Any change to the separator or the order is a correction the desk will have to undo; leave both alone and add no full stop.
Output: **3:41:34**
